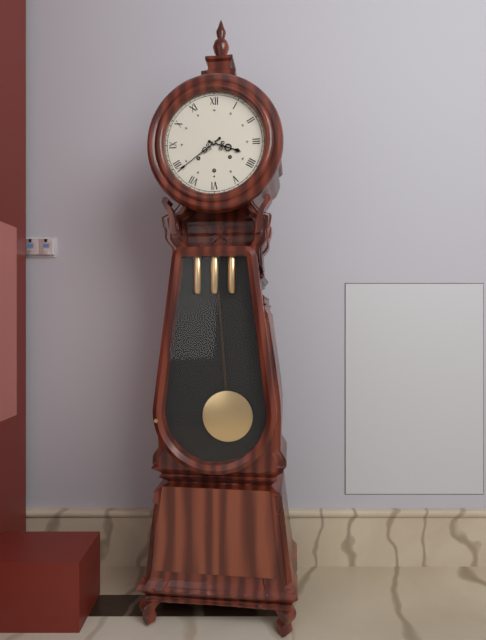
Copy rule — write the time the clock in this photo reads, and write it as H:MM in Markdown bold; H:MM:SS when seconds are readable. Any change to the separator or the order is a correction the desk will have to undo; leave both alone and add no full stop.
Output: **3:39**
